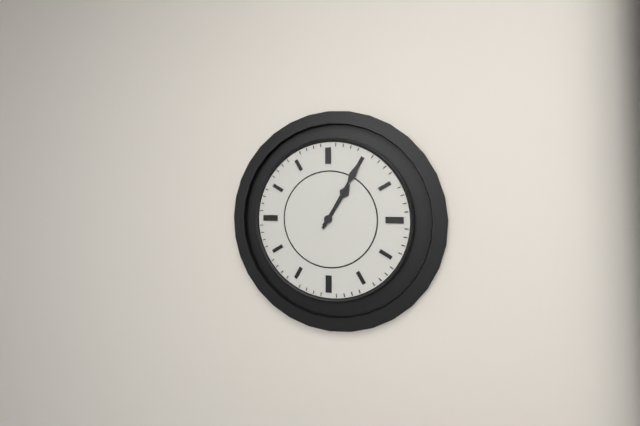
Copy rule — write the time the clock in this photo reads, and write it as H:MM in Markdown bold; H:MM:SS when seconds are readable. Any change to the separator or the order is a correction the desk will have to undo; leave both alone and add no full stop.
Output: **1:05**
